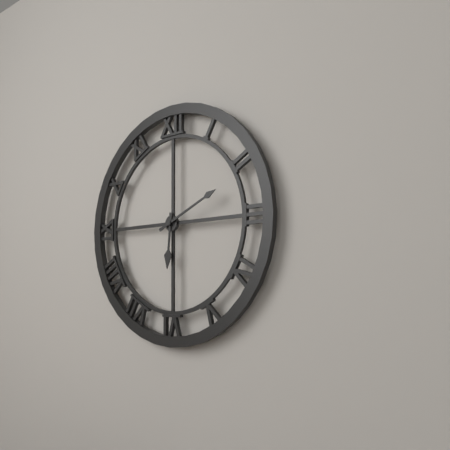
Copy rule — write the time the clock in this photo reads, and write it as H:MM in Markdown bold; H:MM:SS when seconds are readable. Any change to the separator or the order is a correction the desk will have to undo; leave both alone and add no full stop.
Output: **6:11**
